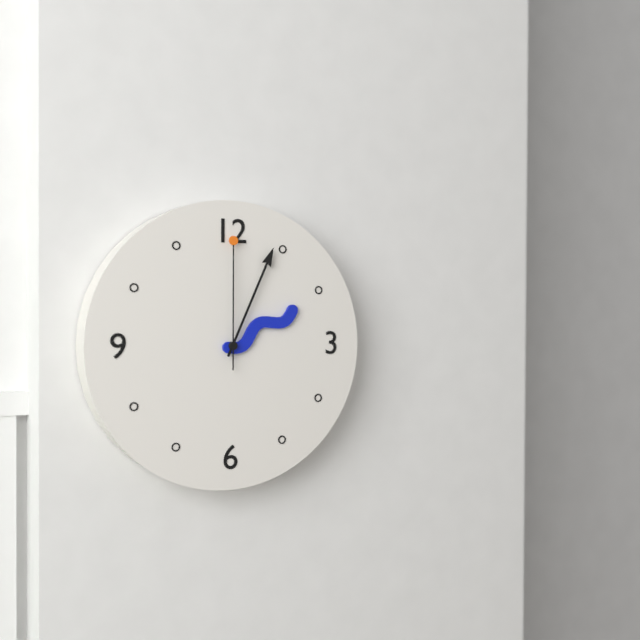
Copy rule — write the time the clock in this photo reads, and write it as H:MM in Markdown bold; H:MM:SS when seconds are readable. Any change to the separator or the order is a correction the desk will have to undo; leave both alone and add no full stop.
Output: **2:04:00**
